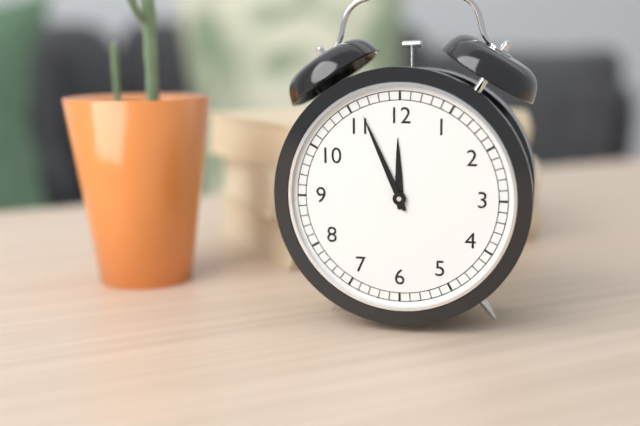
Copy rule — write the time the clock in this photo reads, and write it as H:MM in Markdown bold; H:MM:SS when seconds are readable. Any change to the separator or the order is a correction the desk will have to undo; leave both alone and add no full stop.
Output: **11:56**
